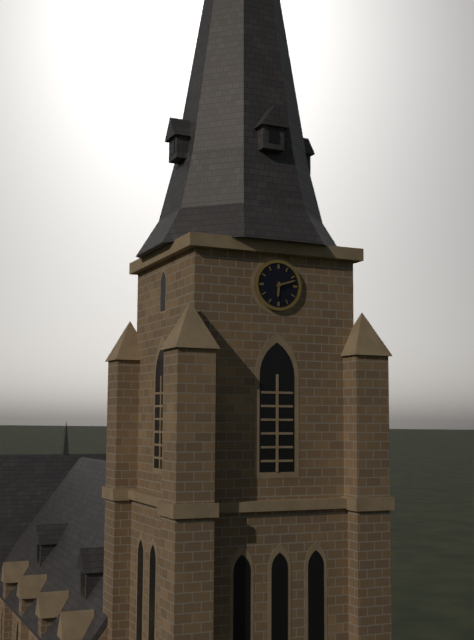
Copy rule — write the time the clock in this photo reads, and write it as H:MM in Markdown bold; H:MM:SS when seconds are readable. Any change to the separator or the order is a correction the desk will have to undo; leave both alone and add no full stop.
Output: **6:12**
